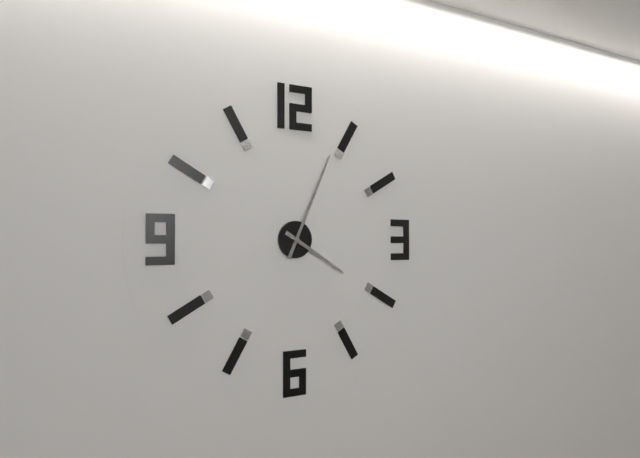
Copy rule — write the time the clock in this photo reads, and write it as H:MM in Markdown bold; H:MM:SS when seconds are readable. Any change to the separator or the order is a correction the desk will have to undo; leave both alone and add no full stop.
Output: **4:04**
